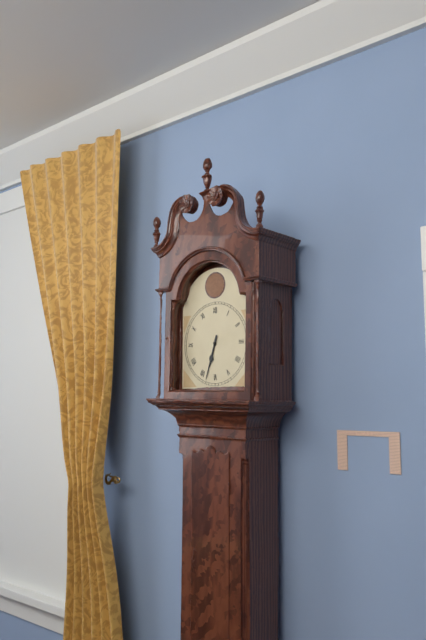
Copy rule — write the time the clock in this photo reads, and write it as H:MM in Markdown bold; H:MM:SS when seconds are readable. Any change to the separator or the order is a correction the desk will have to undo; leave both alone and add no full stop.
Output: **6:33**
